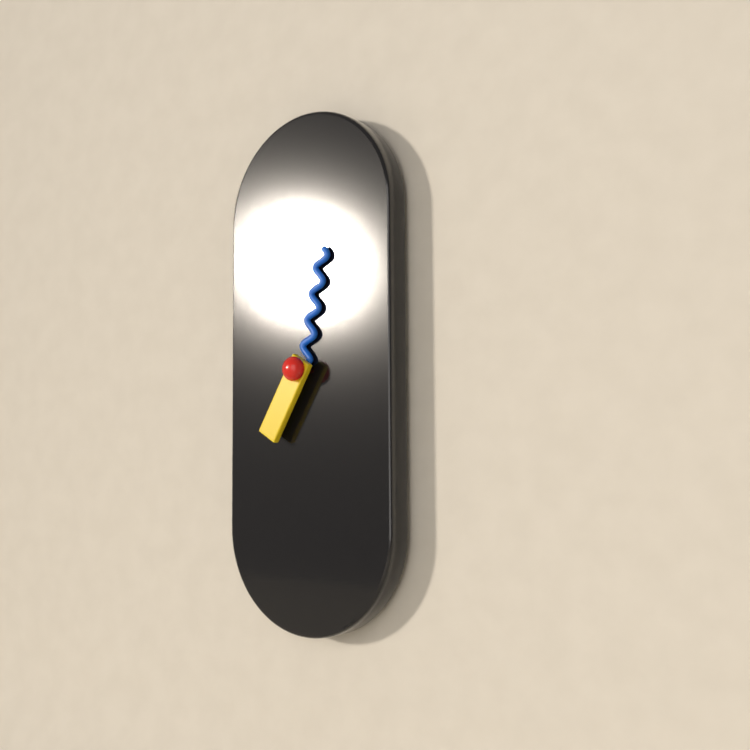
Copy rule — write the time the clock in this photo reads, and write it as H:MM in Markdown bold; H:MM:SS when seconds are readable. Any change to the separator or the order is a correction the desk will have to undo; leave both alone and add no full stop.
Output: **7:02**
